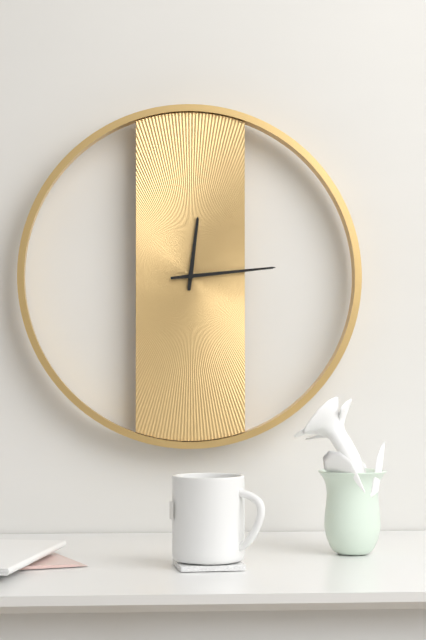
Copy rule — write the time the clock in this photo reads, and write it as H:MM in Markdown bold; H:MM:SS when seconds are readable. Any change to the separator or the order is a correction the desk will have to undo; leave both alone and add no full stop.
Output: **12:14**
